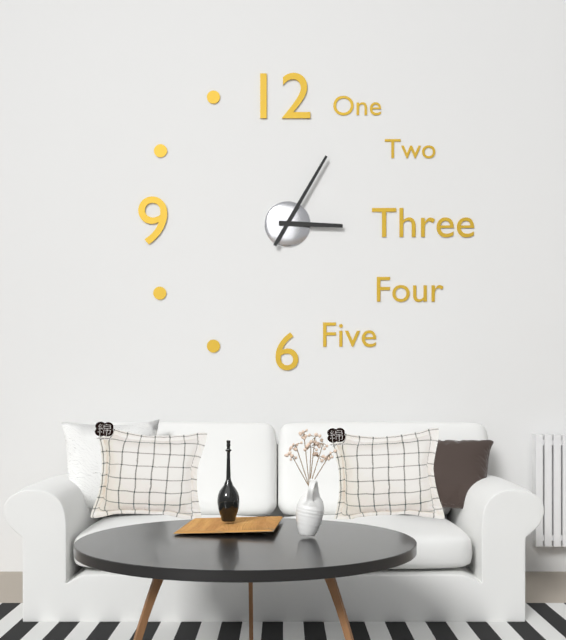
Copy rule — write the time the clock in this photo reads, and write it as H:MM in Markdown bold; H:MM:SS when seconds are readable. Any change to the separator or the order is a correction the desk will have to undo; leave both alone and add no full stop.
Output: **3:05**
